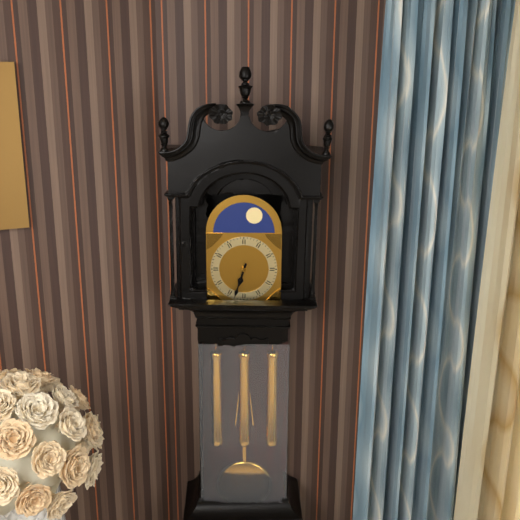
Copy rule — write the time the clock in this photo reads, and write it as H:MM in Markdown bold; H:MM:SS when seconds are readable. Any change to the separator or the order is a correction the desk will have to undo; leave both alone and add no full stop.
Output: **6:33**
